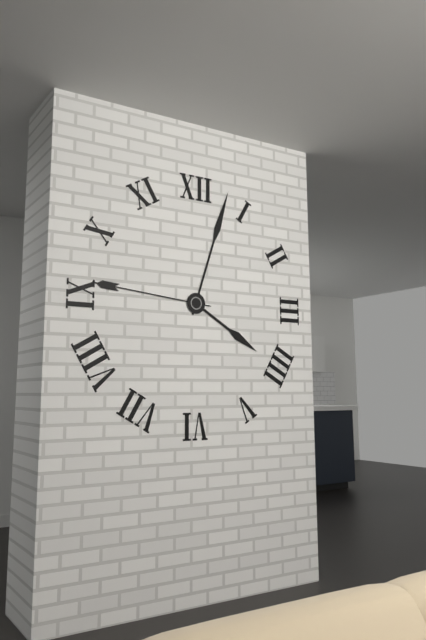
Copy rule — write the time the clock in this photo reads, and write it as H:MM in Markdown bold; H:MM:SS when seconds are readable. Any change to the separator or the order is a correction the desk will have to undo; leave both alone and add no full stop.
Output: **4:03:46**
